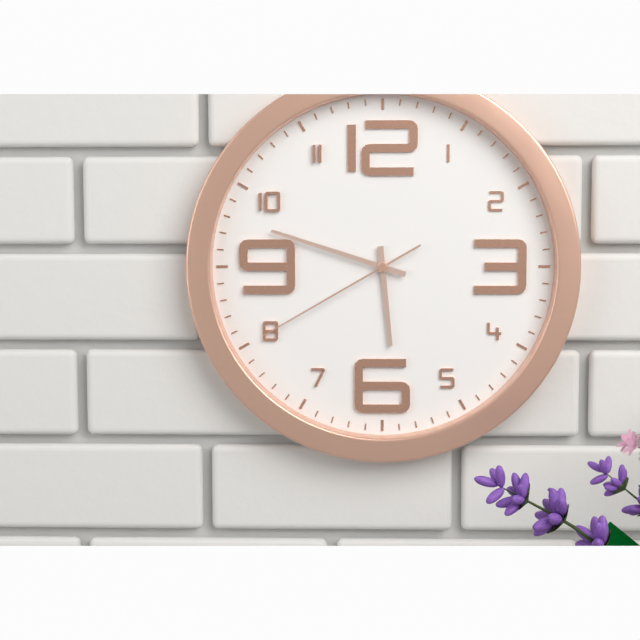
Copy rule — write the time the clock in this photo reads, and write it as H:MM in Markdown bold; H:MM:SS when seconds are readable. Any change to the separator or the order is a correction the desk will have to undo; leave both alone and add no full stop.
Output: **5:48:40**
